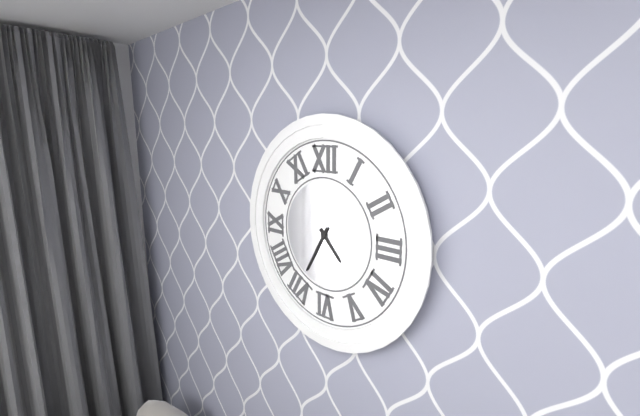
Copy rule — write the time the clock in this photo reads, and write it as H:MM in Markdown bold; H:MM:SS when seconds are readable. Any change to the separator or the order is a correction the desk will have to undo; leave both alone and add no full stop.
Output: **4:35**
